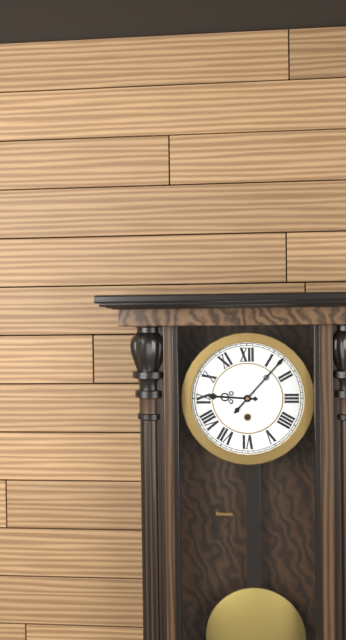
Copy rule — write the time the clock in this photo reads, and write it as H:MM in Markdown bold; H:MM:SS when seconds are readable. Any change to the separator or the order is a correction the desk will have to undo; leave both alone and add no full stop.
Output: **9:07**
